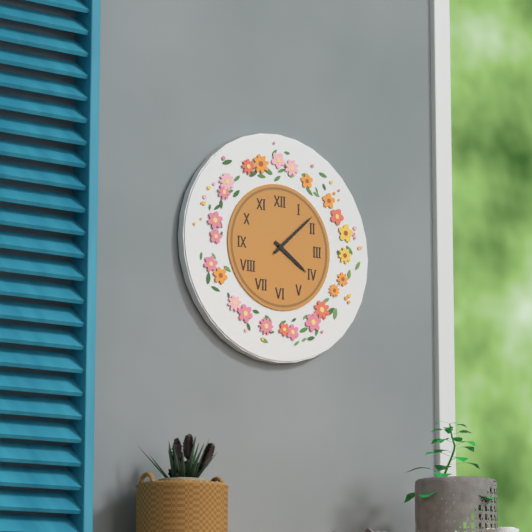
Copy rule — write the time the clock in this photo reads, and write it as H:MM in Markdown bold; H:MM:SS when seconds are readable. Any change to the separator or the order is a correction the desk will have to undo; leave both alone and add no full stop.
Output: **4:08**
